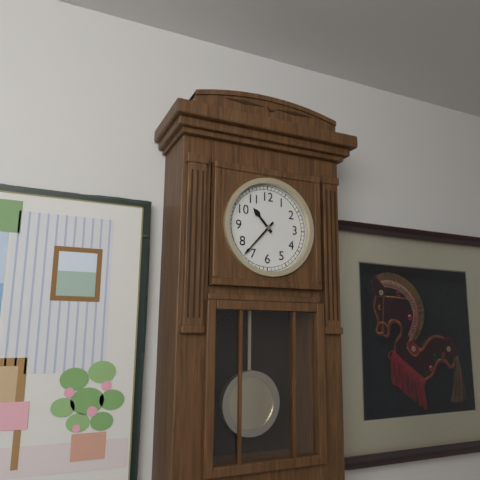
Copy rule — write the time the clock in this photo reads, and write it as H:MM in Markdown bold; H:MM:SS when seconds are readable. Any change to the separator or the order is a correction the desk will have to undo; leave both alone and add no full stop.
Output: **10:37**
